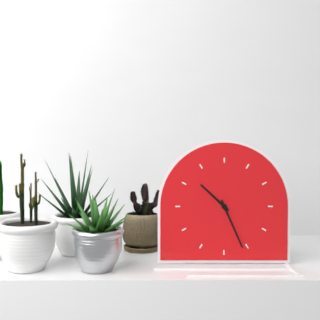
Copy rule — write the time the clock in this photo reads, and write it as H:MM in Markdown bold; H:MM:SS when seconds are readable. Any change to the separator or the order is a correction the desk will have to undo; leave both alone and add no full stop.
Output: **10:26**
